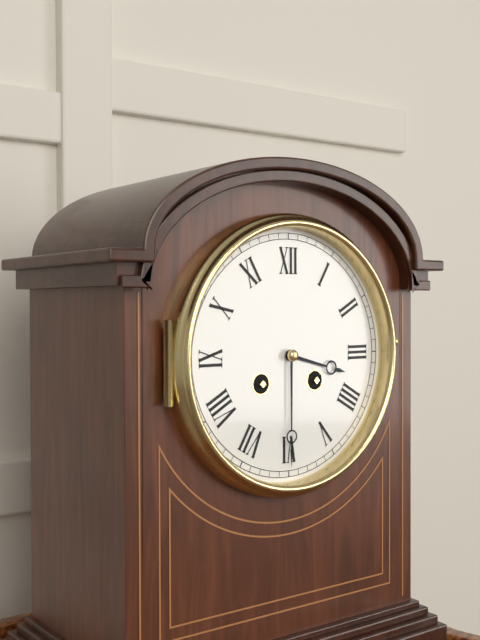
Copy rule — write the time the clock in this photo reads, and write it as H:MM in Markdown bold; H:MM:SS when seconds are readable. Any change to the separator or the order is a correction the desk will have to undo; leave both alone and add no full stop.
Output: **3:30**
